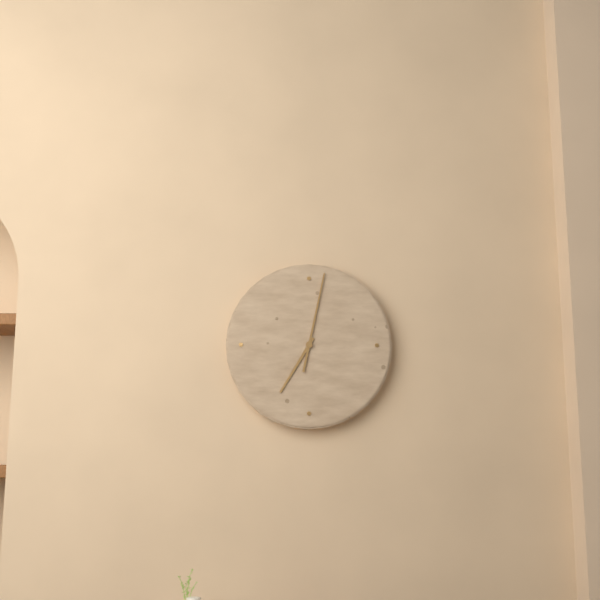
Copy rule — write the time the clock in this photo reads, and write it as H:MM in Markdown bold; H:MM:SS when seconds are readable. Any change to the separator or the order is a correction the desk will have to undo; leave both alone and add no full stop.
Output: **7:02**
